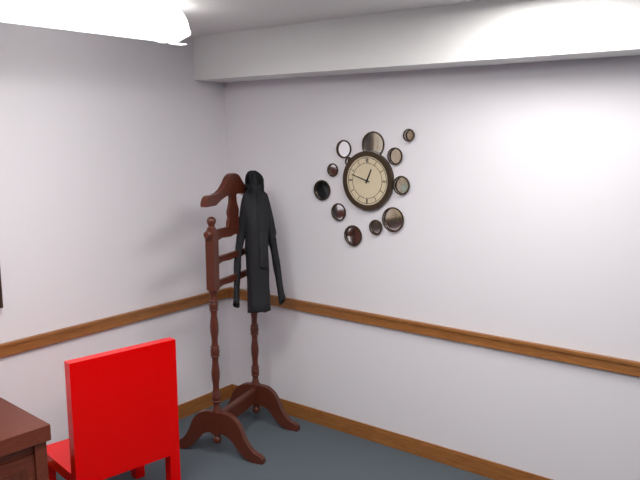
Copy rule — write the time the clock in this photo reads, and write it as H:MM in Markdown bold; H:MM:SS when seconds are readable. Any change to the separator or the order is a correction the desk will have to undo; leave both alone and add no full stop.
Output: **12:48**
